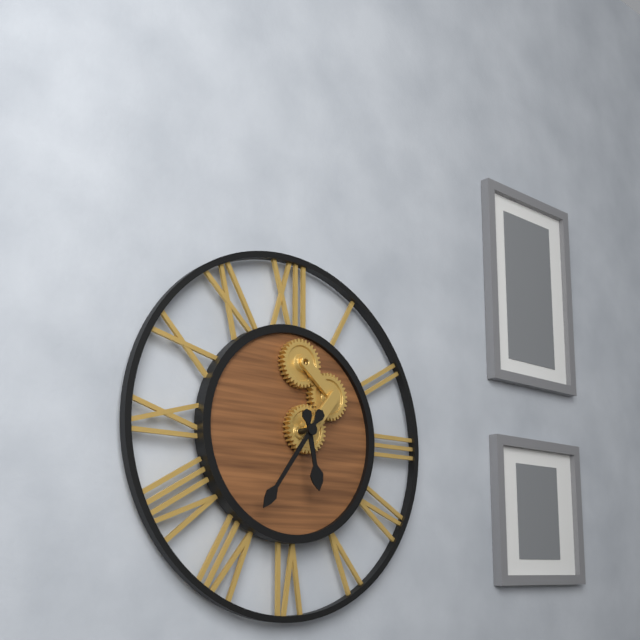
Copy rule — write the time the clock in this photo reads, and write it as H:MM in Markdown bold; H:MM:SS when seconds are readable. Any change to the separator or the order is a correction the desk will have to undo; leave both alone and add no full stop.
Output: **5:36**
